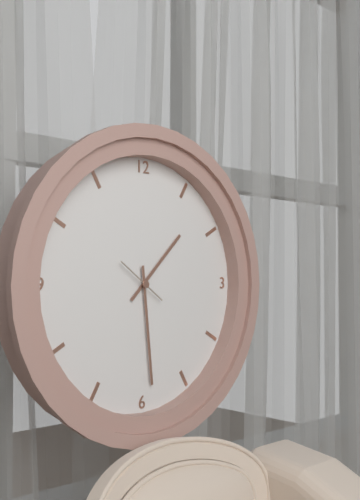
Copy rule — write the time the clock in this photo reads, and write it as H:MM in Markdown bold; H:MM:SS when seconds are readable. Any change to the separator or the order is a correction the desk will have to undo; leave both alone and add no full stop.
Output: **1:29**
